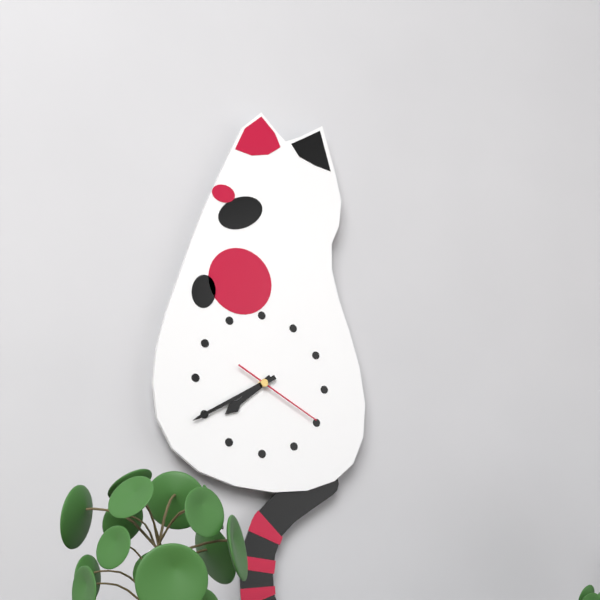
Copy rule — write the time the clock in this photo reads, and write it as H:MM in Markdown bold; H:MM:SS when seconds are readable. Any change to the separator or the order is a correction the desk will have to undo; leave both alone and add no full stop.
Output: **7:40:20**
